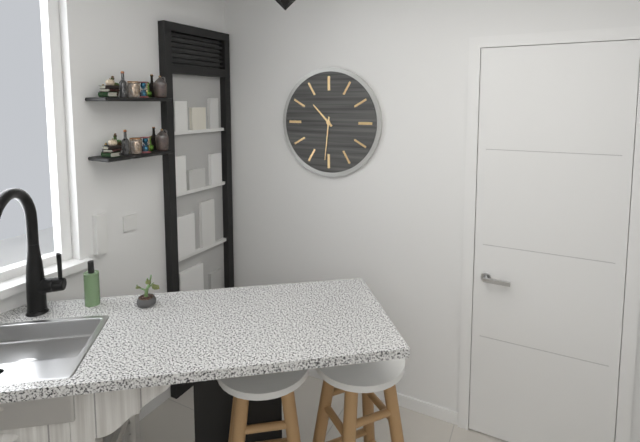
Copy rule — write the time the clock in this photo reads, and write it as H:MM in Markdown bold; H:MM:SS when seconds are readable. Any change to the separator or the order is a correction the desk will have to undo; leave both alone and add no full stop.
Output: **10:31**
